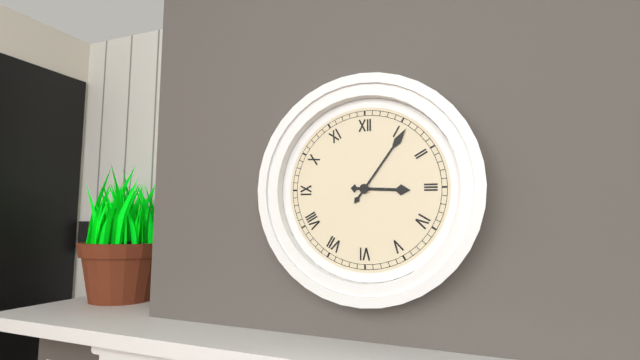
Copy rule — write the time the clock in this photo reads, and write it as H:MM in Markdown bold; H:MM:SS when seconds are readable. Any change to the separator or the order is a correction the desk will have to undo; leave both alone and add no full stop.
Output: **3:06**
